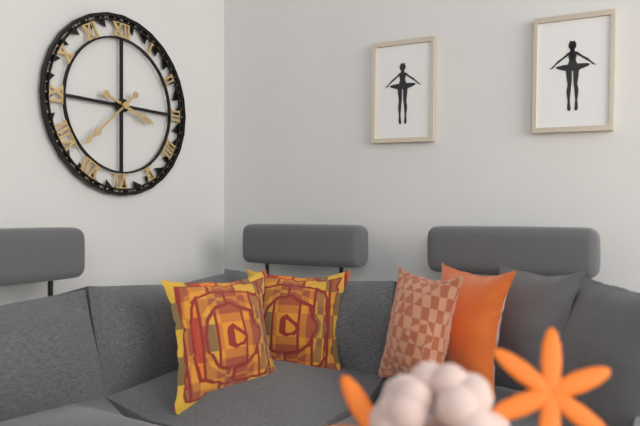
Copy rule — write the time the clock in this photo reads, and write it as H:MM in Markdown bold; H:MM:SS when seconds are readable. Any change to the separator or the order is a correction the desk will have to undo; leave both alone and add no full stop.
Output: **3:38**
